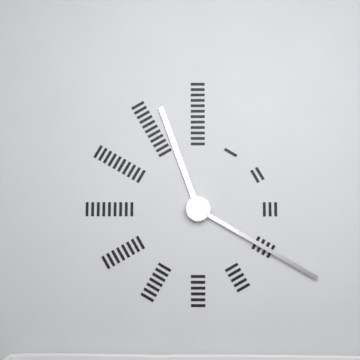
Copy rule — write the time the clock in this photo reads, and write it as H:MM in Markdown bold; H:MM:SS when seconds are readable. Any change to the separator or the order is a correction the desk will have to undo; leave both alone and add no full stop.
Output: **11:20**
